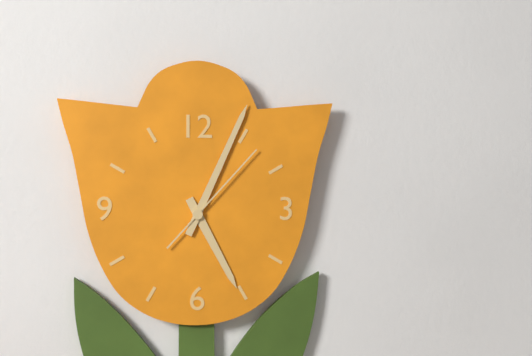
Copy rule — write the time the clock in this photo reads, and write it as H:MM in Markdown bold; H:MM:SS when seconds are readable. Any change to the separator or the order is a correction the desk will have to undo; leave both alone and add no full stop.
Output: **5:04:07**
